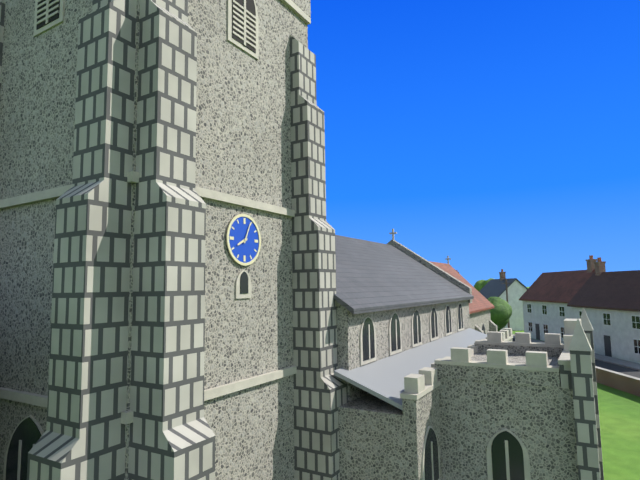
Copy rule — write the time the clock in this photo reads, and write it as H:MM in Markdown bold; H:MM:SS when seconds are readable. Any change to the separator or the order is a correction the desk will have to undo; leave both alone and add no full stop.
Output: **8:04**
